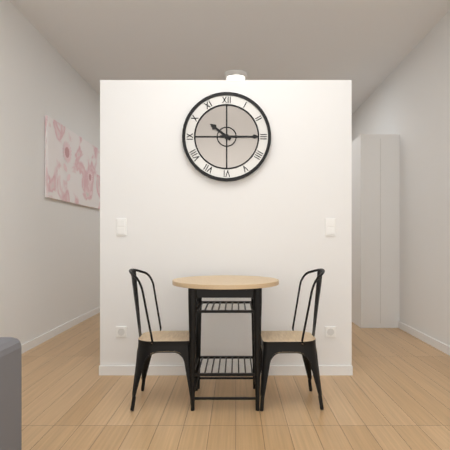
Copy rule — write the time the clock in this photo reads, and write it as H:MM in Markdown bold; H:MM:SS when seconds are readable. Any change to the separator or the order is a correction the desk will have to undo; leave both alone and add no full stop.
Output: **10:15**
